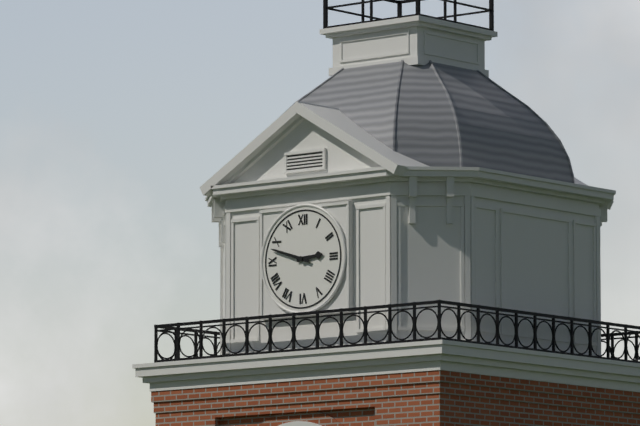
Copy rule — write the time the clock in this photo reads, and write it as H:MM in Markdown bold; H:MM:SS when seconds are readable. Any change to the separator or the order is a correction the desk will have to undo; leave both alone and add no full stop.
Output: **2:48**
